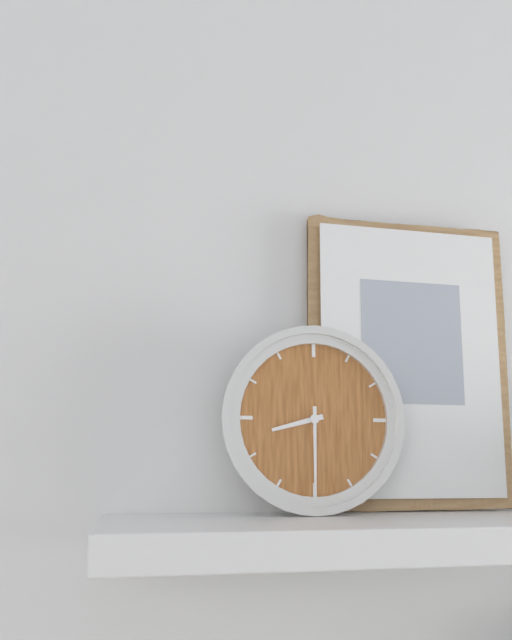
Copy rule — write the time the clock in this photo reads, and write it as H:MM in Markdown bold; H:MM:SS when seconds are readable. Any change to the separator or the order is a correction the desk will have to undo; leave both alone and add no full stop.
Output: **8:30**
